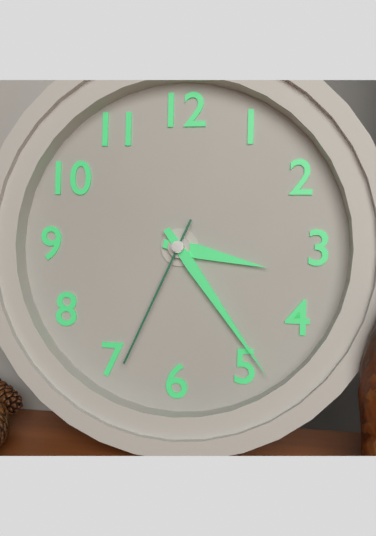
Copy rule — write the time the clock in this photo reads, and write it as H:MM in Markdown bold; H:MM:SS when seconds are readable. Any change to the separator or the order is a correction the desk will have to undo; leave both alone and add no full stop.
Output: **3:24:34**
